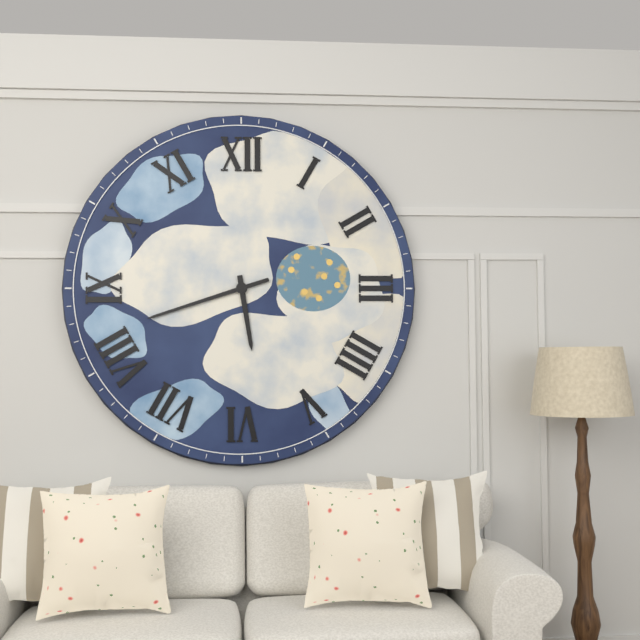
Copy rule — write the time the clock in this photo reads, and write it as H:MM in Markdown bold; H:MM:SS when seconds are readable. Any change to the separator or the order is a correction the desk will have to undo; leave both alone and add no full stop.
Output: **5:42**
